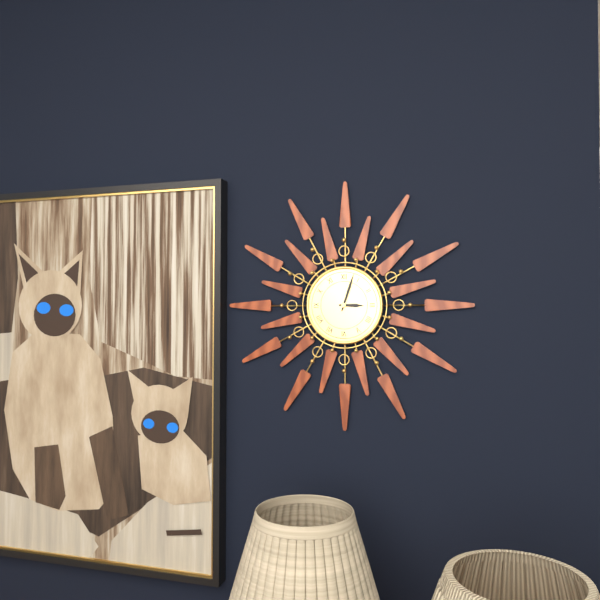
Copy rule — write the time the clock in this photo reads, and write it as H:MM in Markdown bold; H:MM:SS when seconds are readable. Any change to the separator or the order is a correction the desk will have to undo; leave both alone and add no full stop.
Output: **3:03**
